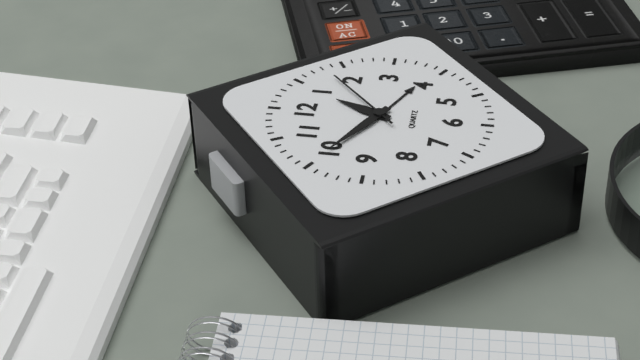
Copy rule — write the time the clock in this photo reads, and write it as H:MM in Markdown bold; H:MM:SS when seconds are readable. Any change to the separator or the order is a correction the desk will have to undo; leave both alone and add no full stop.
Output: **12:50:08**
